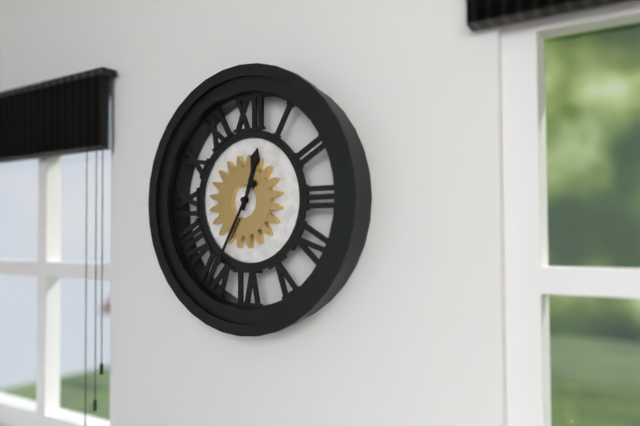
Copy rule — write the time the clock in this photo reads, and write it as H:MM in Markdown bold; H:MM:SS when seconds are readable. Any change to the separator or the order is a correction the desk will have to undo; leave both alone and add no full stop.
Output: **12:35**
